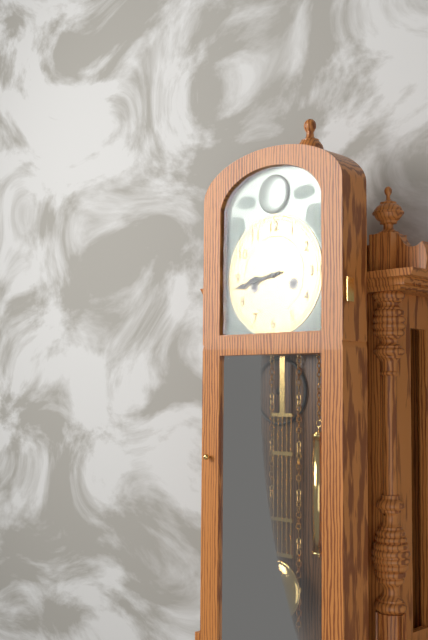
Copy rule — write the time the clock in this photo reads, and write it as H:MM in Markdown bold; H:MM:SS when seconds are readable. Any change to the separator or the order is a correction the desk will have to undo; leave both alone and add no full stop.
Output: **8:43**
